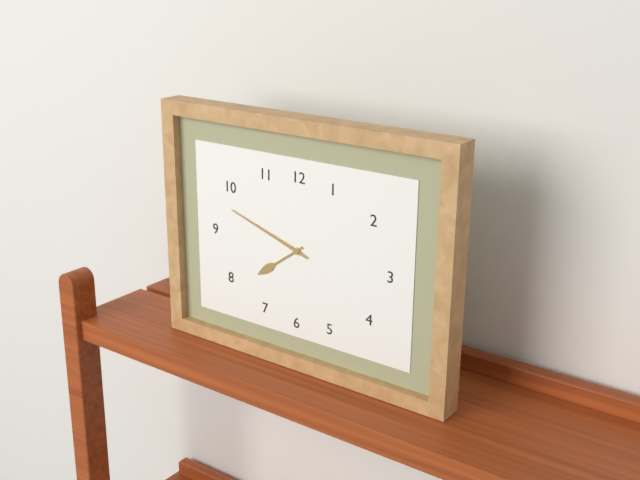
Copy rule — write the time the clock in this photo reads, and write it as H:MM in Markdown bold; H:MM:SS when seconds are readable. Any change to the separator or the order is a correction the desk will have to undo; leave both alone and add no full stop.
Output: **7:48**
